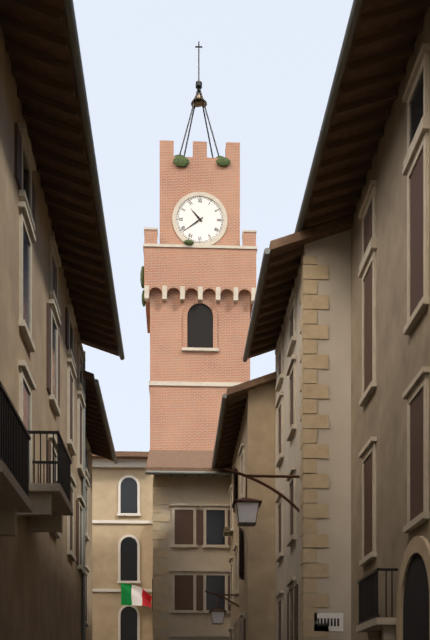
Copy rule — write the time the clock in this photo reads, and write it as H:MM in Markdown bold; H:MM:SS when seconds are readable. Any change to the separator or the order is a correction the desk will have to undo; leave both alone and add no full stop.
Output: **10:39**
